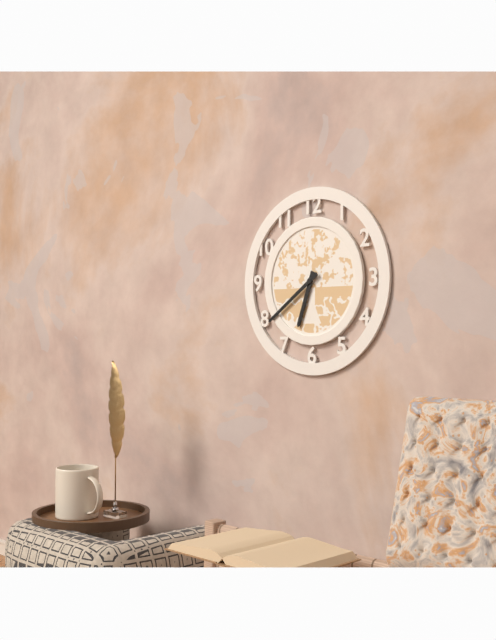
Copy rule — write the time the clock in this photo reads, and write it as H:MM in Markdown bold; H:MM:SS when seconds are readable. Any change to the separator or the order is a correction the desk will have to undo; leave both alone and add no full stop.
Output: **6:39**
